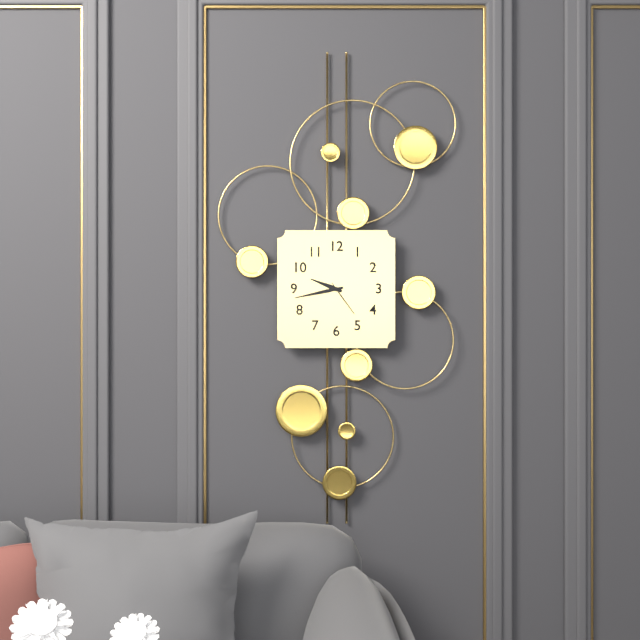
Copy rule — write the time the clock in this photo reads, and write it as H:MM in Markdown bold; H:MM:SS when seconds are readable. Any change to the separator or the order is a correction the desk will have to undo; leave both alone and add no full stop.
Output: **9:43**
